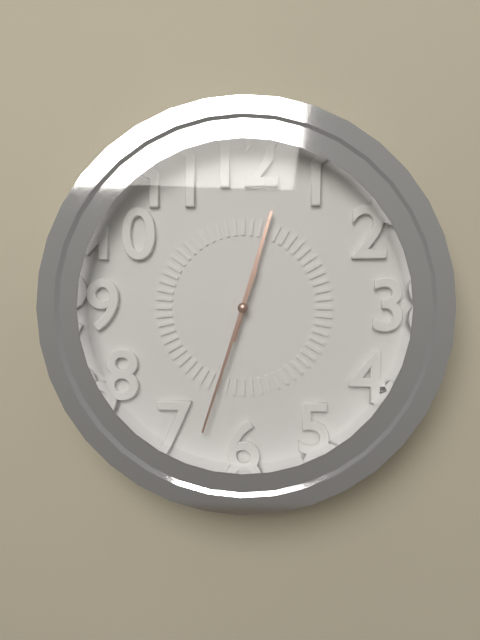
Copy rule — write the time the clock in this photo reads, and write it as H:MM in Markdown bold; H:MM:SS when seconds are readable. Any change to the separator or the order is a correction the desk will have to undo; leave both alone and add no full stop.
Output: **12:33**
